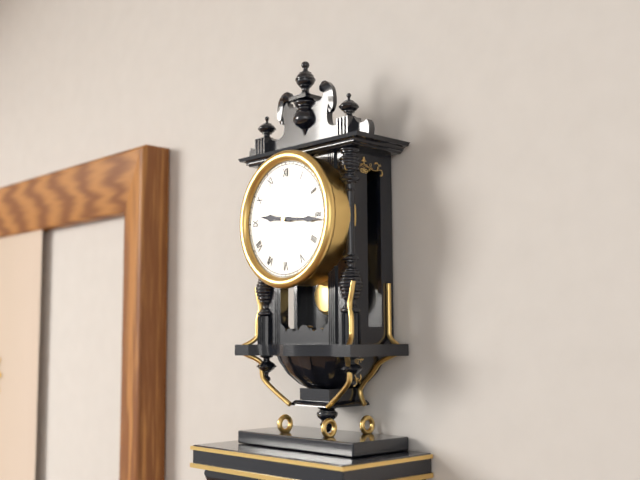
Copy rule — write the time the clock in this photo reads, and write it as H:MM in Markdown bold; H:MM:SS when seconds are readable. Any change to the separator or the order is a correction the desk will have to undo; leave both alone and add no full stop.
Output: **9:16**
